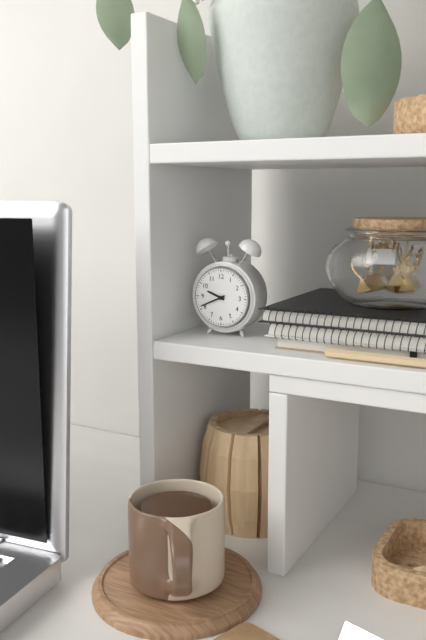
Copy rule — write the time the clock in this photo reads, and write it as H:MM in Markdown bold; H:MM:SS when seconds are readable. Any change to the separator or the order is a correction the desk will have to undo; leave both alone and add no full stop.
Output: **9:41**
